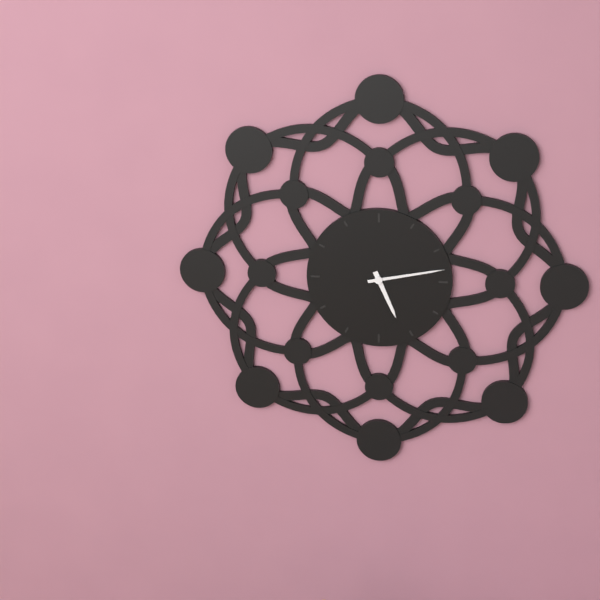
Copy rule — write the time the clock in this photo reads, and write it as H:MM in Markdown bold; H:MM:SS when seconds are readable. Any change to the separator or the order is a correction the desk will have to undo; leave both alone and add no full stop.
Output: **5:13**
